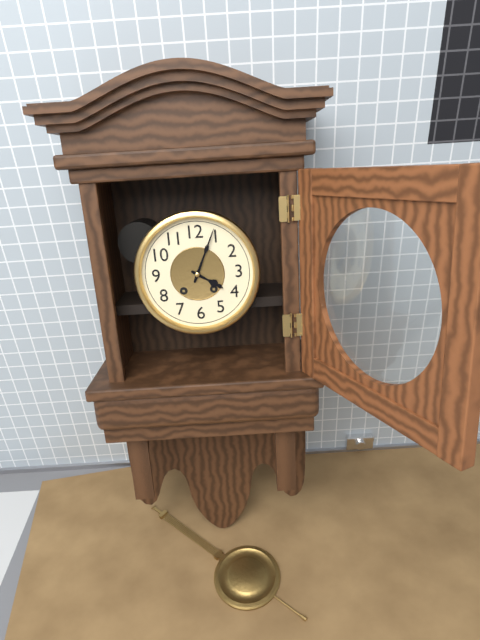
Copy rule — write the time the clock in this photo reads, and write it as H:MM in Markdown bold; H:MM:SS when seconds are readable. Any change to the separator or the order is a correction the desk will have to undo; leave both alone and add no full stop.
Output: **4:04**
